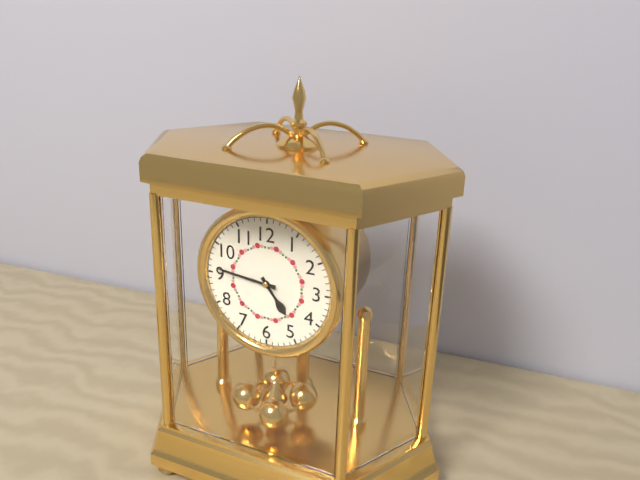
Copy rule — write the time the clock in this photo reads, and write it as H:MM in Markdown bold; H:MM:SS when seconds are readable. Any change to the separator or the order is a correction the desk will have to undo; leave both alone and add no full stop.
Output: **4:46**
